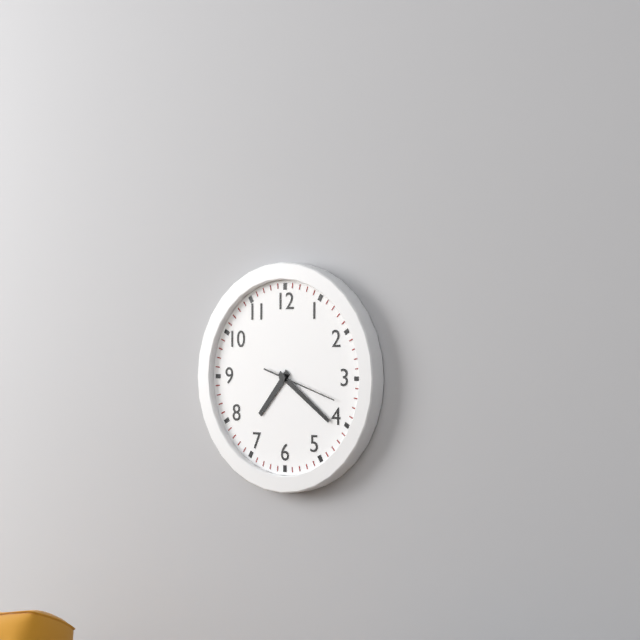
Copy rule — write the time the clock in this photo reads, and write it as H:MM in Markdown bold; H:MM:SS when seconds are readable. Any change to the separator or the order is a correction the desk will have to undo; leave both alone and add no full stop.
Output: **7:21:18**
